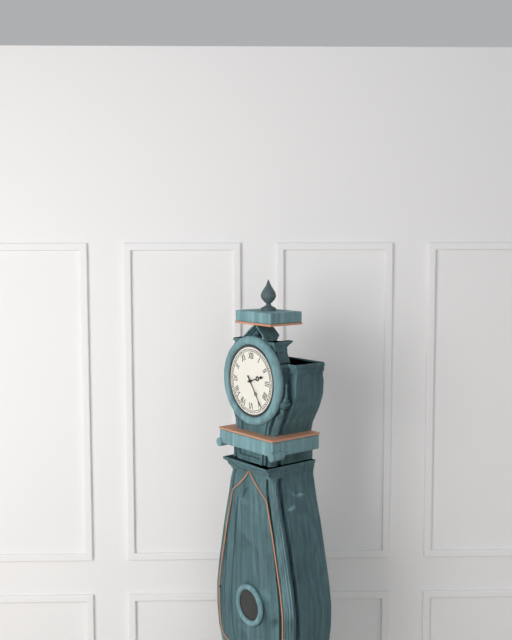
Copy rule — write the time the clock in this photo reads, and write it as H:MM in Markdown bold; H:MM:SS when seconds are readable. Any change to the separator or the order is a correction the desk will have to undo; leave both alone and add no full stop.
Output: **2:24**
